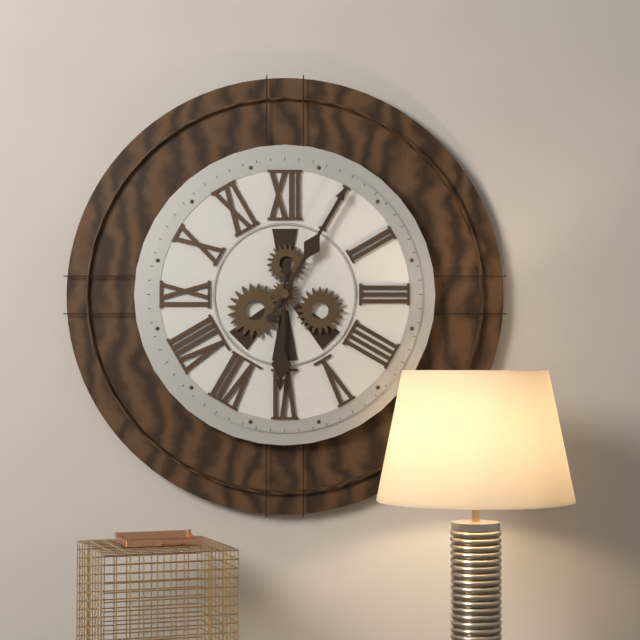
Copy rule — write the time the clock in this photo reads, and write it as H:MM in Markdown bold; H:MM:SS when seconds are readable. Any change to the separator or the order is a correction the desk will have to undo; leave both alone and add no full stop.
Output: **6:05**
